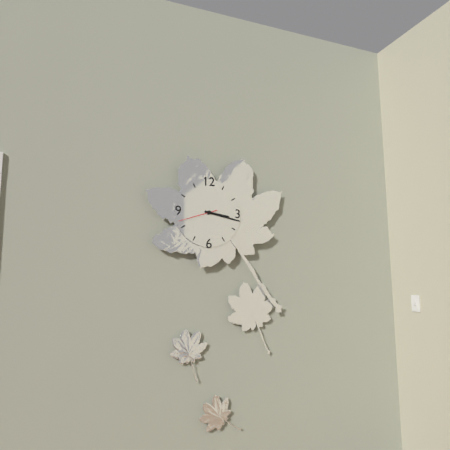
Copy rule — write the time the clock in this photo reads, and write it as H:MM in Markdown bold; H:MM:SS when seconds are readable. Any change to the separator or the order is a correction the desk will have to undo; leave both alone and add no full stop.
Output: **3:17**
